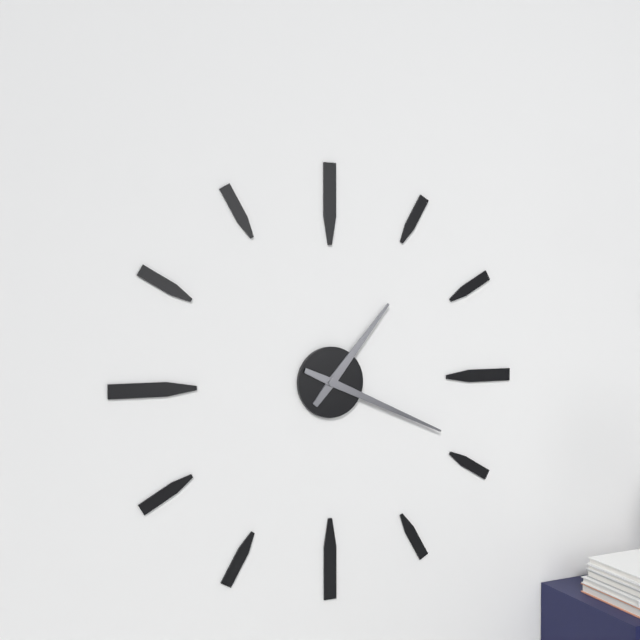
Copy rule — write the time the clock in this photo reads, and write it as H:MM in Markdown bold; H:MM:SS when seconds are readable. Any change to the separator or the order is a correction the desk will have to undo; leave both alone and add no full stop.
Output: **1:19**
